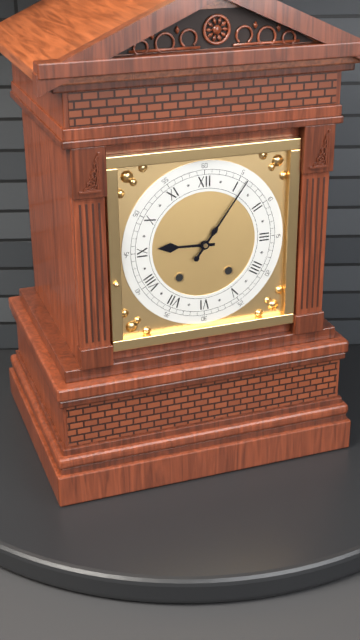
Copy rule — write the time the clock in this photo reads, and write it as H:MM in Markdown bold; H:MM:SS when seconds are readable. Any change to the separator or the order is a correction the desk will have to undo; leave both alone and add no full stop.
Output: **9:06**
